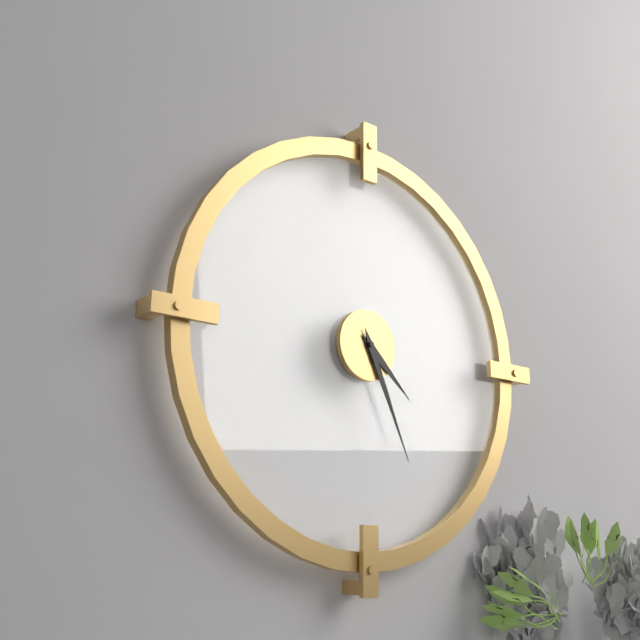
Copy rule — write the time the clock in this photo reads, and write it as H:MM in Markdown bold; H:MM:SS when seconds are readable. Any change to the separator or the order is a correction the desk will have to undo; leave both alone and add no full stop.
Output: **4:26**
